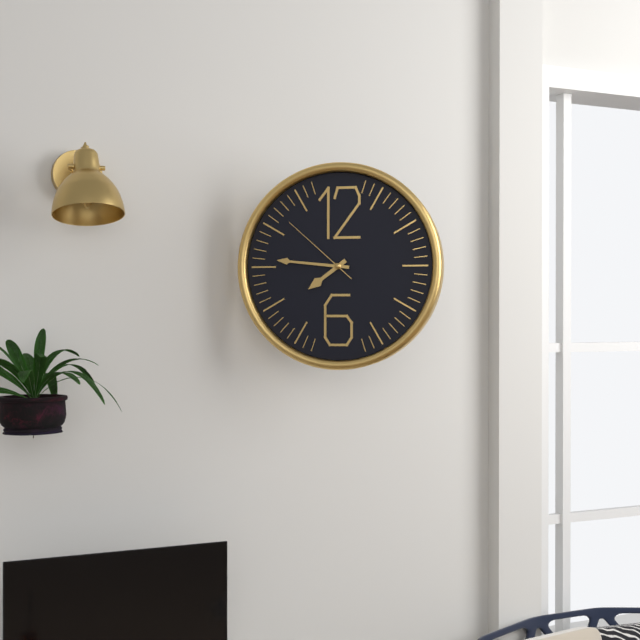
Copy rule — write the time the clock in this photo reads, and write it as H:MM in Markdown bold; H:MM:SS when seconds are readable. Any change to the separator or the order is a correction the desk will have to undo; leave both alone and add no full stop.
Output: **7:46:52**
